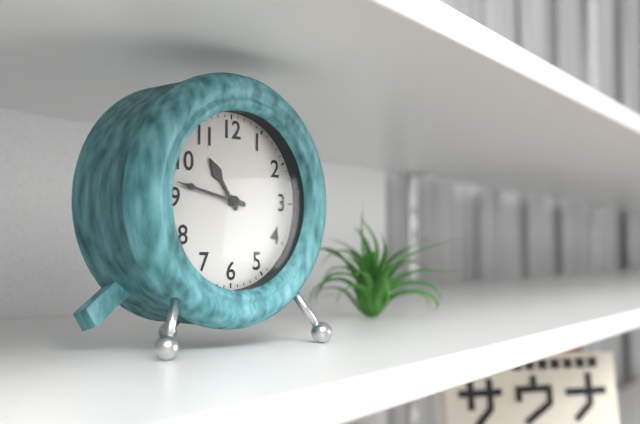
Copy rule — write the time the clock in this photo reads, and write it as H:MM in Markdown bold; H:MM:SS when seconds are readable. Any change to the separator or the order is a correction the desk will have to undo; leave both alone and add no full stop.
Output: **10:47**
